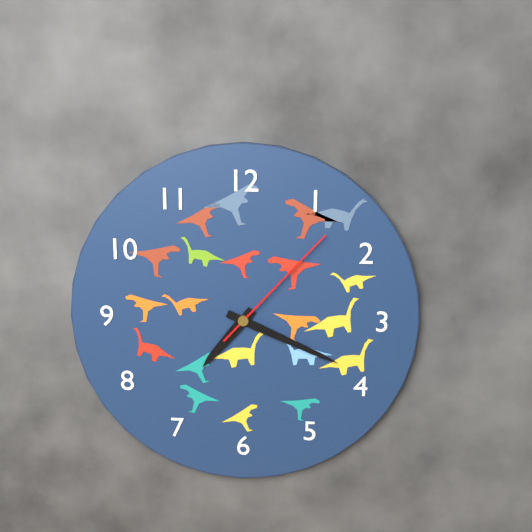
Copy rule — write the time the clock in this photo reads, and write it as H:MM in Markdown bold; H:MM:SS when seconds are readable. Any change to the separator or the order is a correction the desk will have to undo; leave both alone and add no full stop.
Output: **7:19:07**
